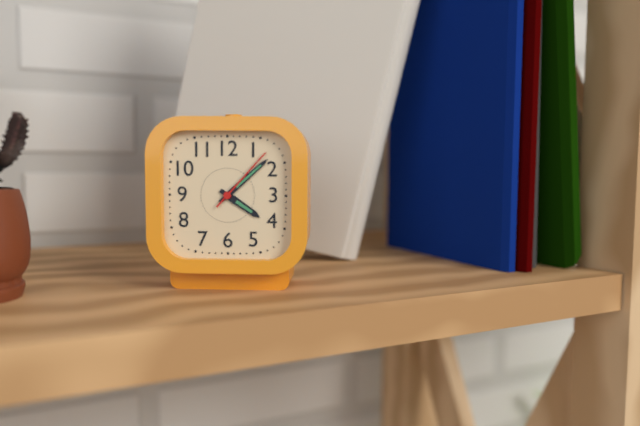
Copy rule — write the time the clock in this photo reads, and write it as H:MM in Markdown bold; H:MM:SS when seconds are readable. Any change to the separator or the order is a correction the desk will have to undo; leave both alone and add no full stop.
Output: **4:08:07**
